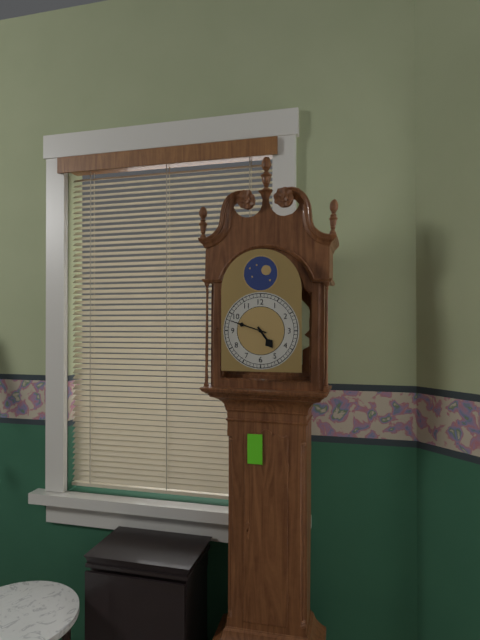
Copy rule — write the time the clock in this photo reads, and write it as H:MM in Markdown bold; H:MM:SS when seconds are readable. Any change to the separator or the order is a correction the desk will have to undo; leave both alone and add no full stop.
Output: **4:48**
